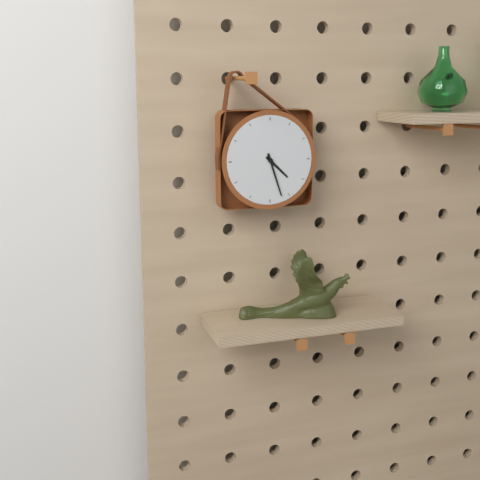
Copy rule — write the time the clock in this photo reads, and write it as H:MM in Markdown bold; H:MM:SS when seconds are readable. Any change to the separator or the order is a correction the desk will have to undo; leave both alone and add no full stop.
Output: **4:27**
